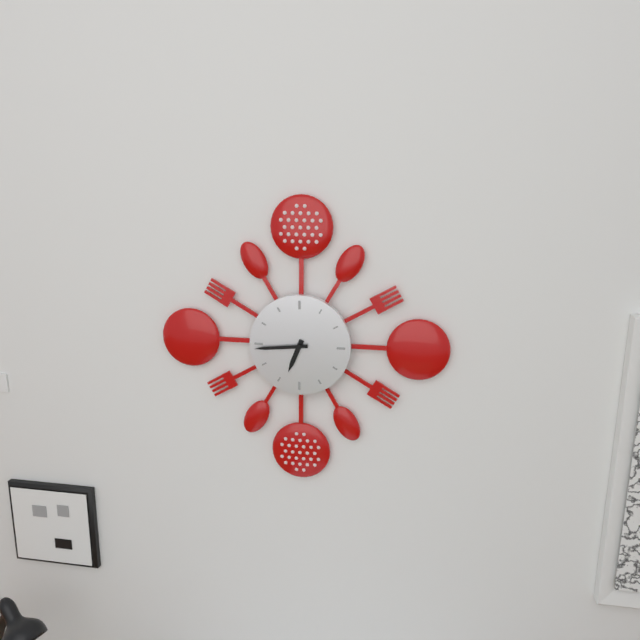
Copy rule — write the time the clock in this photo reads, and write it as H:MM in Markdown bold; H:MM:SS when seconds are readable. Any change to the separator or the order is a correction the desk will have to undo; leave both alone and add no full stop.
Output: **6:44**
